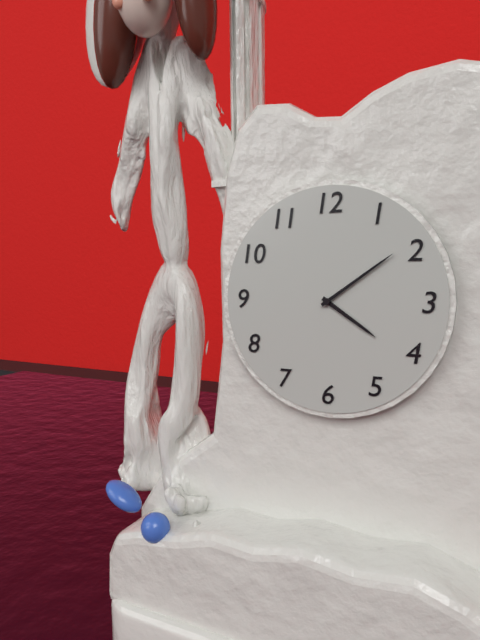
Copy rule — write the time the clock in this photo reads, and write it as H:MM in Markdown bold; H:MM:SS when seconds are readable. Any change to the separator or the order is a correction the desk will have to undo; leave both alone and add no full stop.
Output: **4:09**
